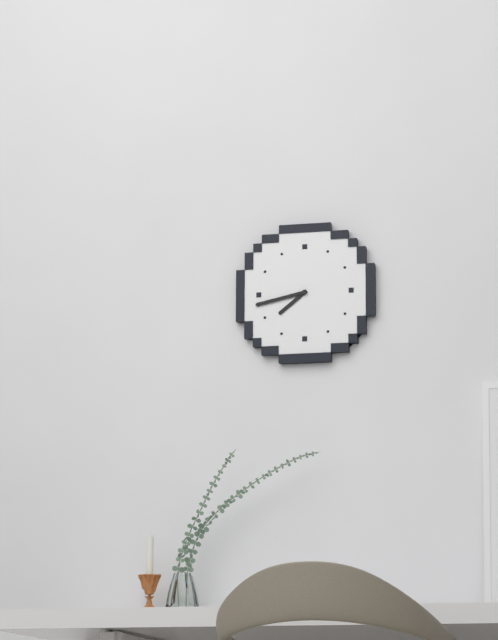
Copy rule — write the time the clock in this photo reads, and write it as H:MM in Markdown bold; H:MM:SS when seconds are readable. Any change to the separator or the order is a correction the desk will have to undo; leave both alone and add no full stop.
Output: **7:43**
